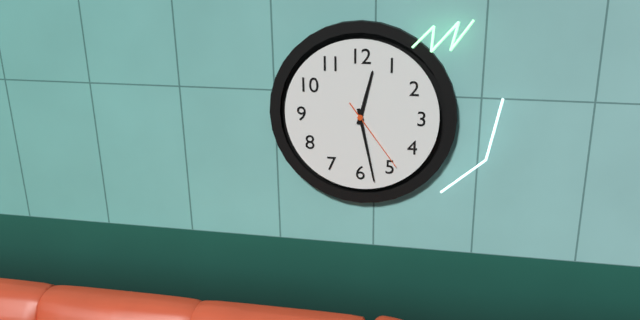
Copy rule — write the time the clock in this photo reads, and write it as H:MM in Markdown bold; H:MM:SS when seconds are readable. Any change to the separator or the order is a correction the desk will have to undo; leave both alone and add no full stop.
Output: **12:28:24**
